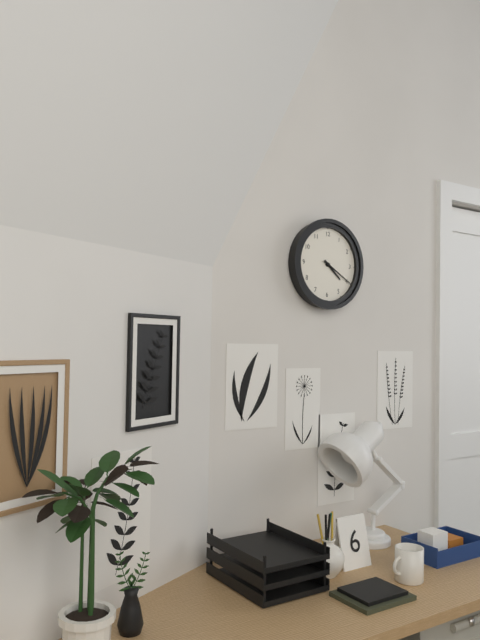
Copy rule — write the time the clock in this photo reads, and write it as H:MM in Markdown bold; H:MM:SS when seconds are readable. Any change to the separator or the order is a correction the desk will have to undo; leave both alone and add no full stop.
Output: **4:20**
